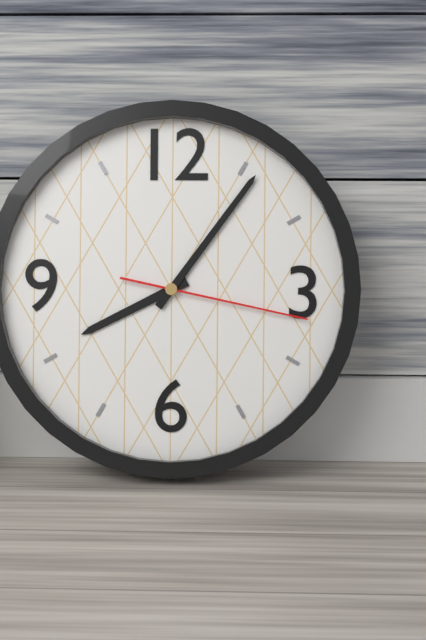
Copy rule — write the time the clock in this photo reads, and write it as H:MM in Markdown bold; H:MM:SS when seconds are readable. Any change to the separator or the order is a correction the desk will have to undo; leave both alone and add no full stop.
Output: **8:06:17**
